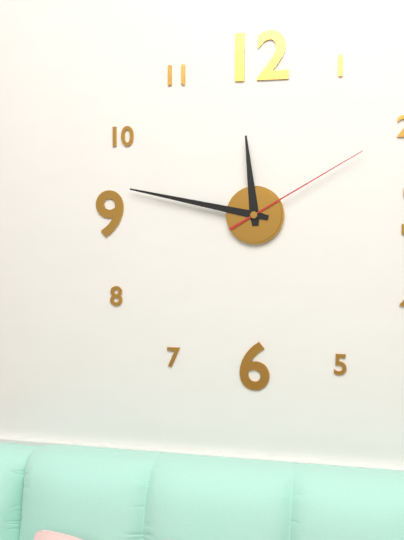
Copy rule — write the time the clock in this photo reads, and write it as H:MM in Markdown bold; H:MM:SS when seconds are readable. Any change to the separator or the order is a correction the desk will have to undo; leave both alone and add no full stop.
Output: **11:47:10**
